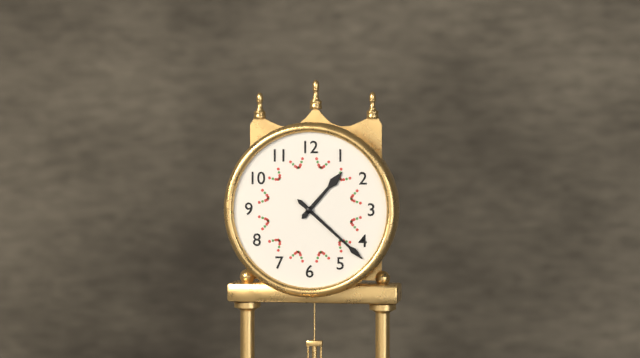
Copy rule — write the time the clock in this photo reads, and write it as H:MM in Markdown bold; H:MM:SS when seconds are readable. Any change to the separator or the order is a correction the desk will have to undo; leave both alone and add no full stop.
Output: **1:22**
